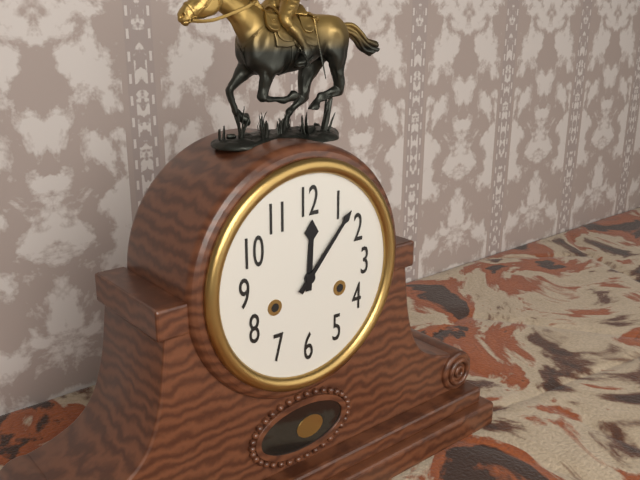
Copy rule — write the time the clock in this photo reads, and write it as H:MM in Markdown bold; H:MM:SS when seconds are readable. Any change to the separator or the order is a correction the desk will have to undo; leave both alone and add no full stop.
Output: **12:07**
